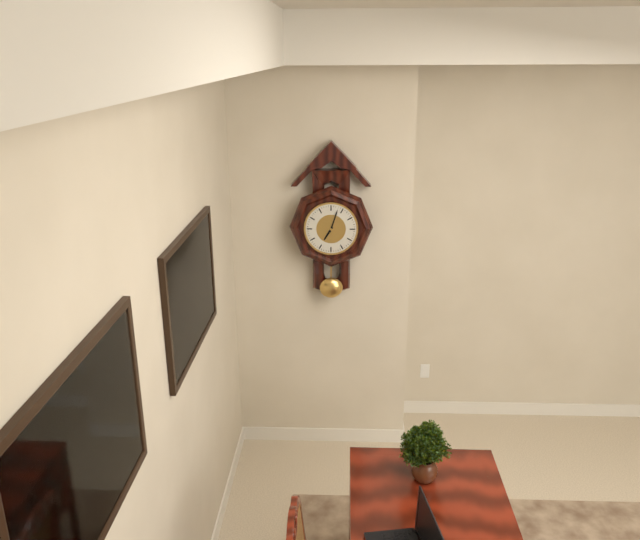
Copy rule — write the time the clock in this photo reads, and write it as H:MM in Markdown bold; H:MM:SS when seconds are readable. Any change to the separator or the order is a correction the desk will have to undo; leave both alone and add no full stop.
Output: **7:03**
